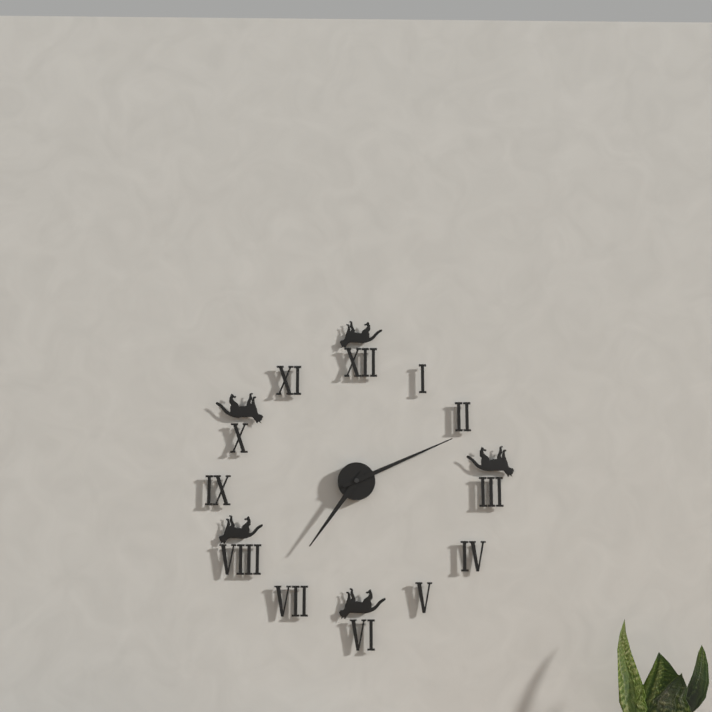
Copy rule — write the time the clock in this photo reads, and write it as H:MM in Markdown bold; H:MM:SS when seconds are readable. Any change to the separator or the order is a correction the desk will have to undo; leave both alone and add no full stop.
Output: **7:11**
